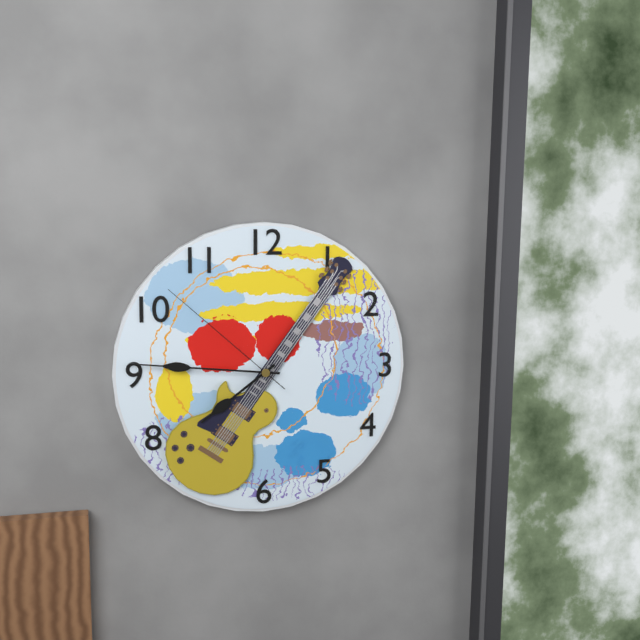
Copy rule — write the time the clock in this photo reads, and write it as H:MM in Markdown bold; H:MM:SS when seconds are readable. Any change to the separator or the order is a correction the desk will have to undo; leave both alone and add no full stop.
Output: **7:46:52**
